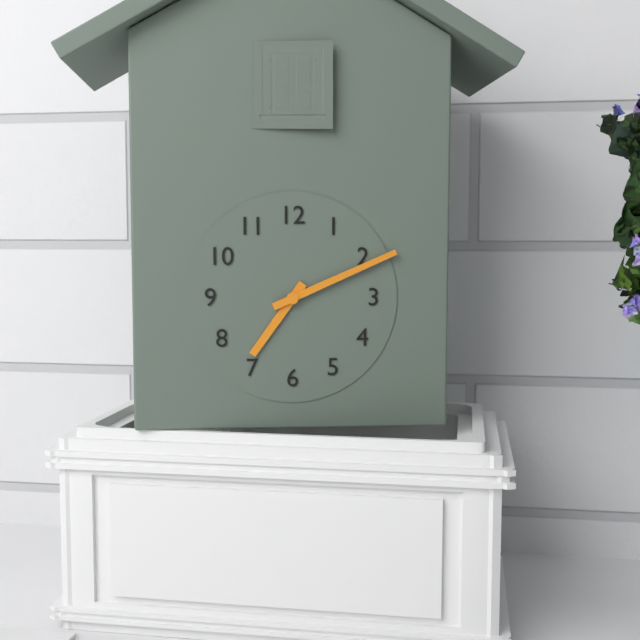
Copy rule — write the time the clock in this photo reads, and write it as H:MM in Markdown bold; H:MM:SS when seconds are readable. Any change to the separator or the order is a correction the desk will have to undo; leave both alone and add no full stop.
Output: **7:11**
